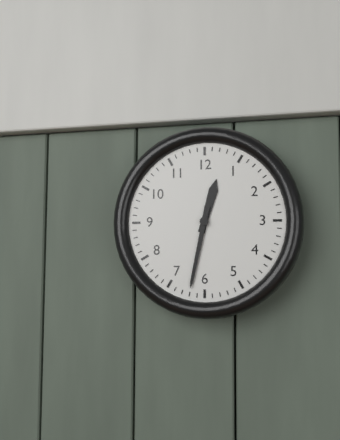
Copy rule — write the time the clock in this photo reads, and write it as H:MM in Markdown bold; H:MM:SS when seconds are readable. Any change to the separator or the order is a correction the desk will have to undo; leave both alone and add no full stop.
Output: **12:32**
